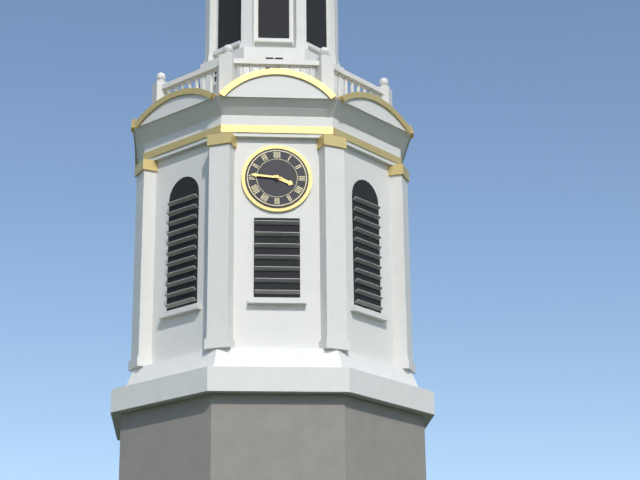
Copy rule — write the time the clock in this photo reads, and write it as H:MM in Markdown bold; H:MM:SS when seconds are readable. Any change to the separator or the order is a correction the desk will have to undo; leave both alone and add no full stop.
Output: **3:46**
